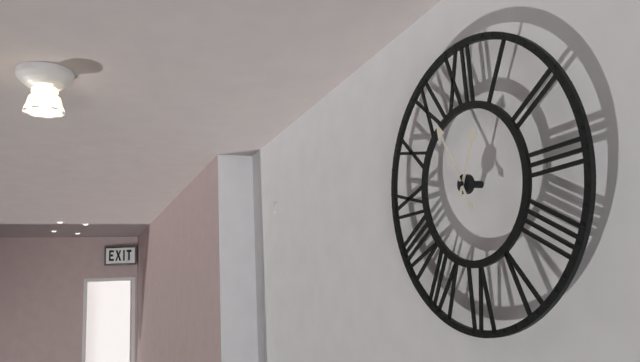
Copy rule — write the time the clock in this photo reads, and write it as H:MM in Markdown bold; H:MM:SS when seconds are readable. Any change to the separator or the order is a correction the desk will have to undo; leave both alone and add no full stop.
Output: **12:56**
